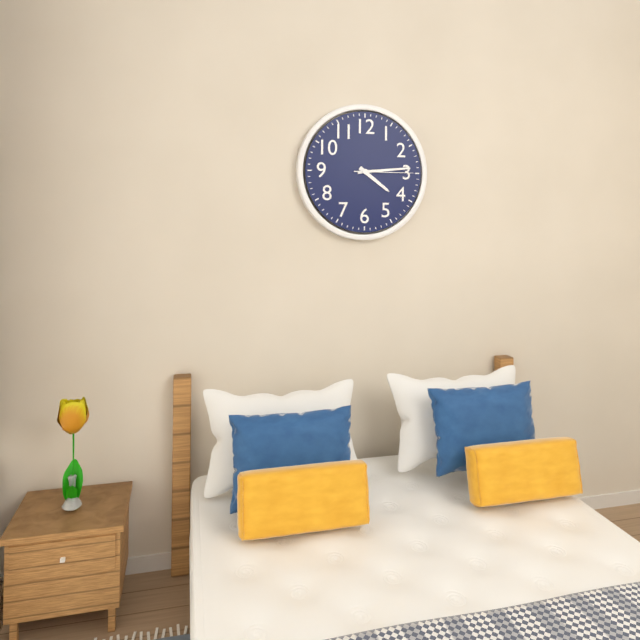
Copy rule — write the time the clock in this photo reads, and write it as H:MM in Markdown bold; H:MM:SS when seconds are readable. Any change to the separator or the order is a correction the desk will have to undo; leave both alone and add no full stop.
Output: **4:14:15**
